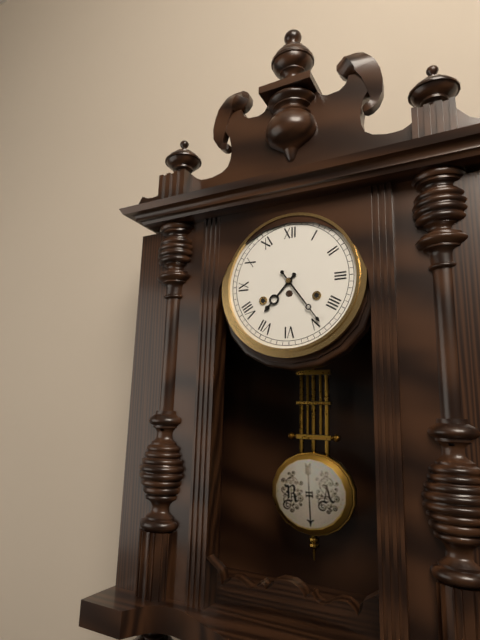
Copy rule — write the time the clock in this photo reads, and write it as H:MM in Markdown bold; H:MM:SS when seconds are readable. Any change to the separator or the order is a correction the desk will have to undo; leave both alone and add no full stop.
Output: **7:24**
